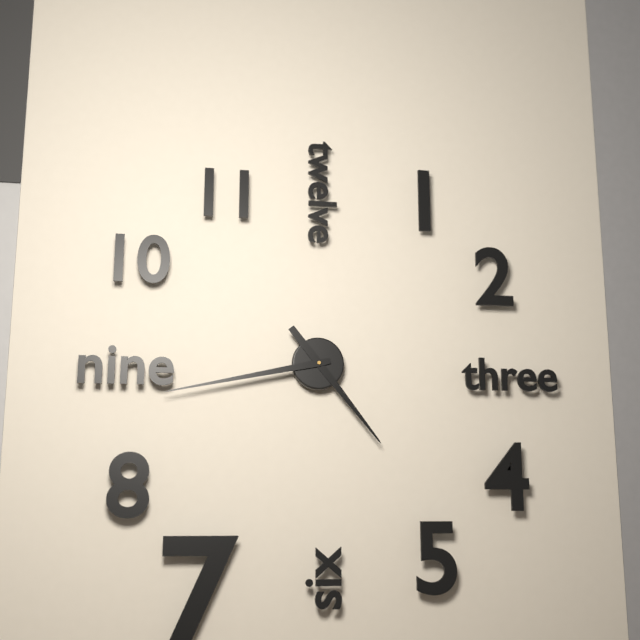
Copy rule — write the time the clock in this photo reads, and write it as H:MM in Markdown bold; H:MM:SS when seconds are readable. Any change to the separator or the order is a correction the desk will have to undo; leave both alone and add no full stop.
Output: **4:43**
